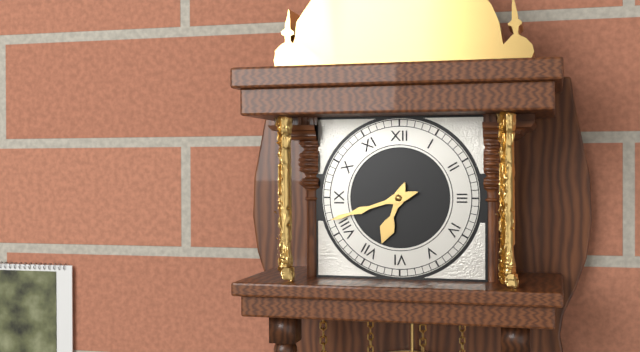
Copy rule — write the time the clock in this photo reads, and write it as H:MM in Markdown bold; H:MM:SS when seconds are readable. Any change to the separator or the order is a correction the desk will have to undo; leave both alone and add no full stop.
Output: **6:42**
